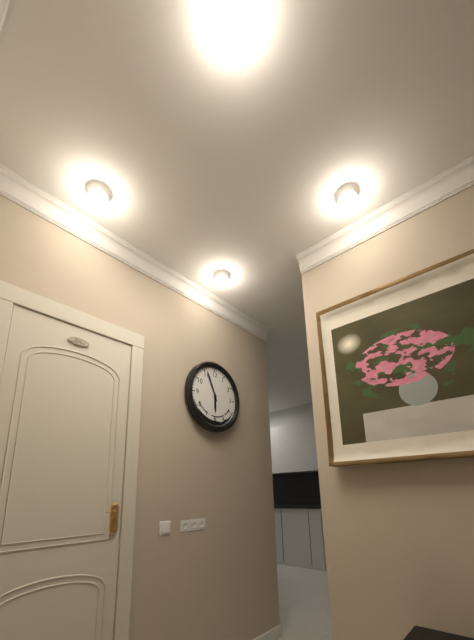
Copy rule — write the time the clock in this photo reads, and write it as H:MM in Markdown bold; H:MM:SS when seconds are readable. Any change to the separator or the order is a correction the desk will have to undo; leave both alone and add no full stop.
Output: **5:56**
